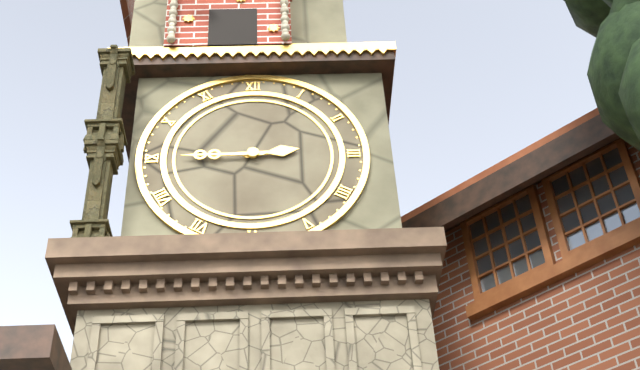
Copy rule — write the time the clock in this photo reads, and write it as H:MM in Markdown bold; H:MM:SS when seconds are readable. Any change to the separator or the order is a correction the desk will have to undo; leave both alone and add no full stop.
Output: **2:45**
